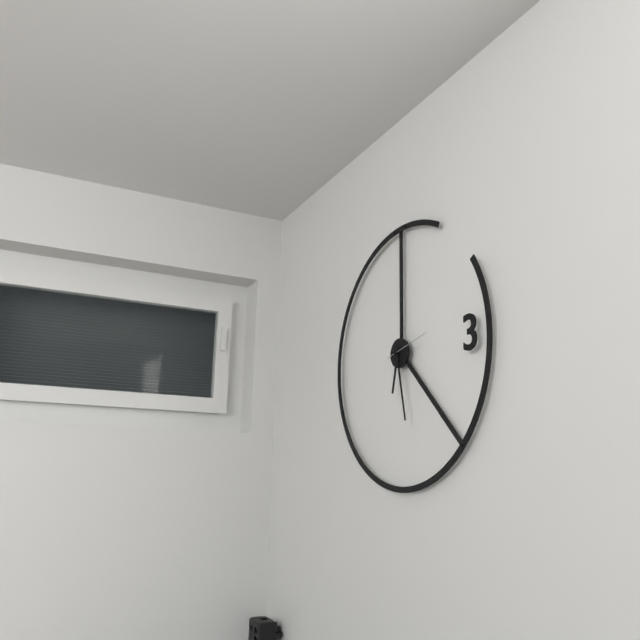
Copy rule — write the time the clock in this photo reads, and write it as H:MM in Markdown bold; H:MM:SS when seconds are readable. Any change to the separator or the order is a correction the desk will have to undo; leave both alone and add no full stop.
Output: **6:28**
